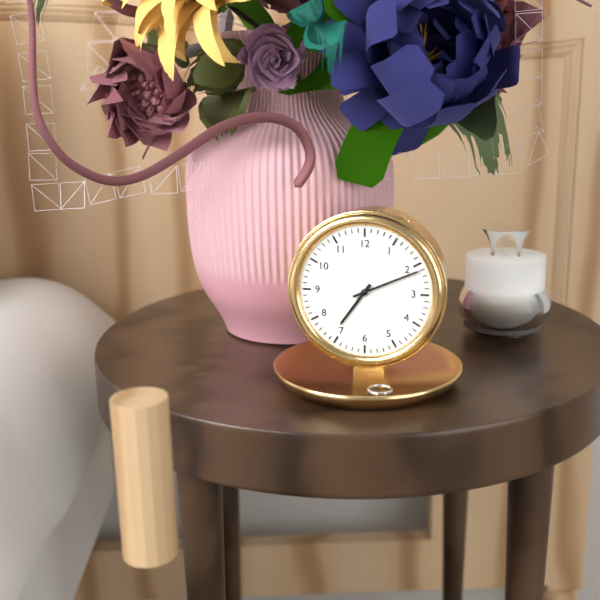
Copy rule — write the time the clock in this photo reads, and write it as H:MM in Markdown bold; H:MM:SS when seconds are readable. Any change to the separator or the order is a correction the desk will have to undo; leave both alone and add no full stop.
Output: **7:11**
